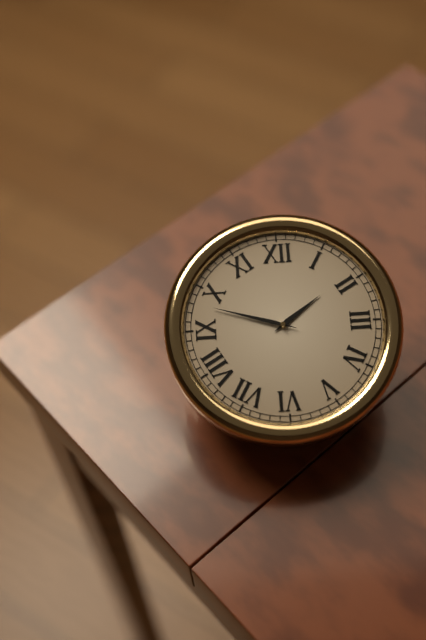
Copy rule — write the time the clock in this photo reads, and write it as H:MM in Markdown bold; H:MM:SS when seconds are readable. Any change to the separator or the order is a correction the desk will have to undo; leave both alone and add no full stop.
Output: **1:48**
